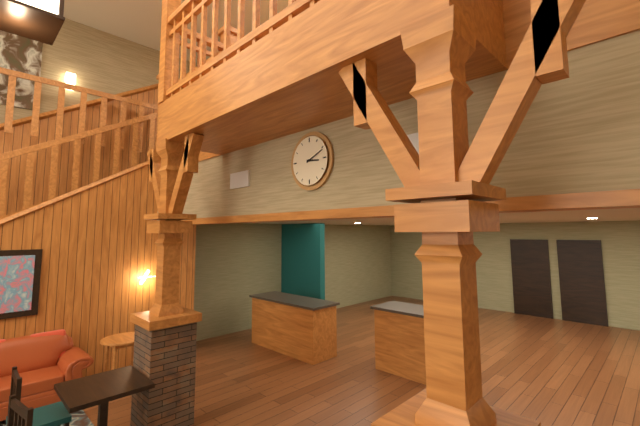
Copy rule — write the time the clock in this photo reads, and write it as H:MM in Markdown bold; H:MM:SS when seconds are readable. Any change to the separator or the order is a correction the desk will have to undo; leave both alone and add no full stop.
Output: **3:11**
